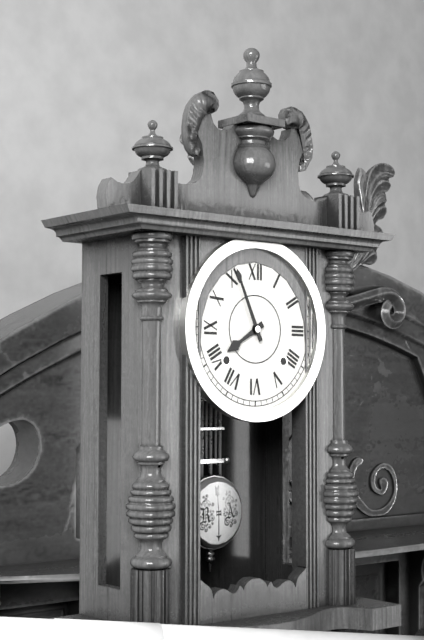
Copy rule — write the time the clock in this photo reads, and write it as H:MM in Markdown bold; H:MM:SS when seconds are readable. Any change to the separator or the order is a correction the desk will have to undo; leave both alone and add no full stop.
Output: **7:56**
